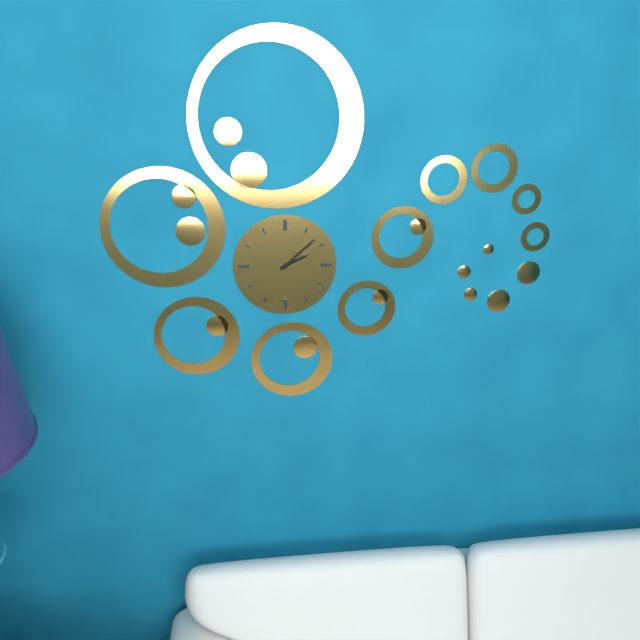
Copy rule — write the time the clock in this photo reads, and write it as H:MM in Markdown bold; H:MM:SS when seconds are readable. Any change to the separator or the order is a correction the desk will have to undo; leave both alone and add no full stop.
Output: **2:08**
